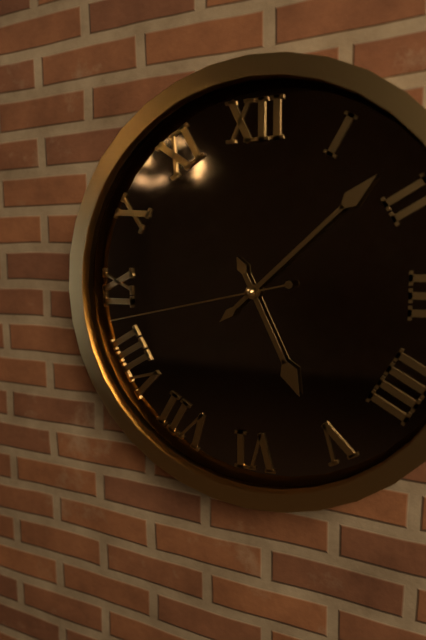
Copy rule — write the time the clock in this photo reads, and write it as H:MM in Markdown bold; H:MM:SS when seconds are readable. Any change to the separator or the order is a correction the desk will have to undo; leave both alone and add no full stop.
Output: **5:08:43**
